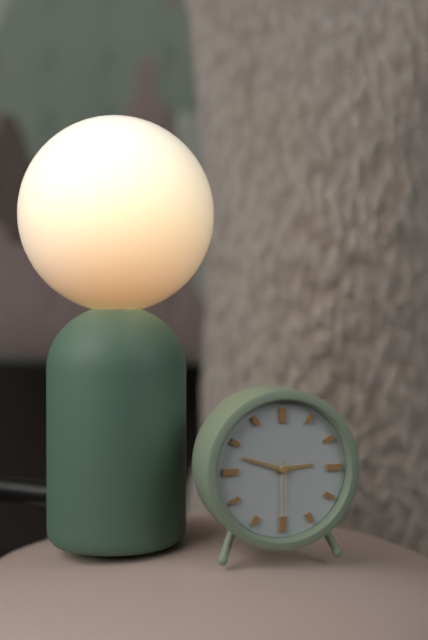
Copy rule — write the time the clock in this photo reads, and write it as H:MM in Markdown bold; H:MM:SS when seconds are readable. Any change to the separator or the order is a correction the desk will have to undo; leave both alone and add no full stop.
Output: **2:48:30**
